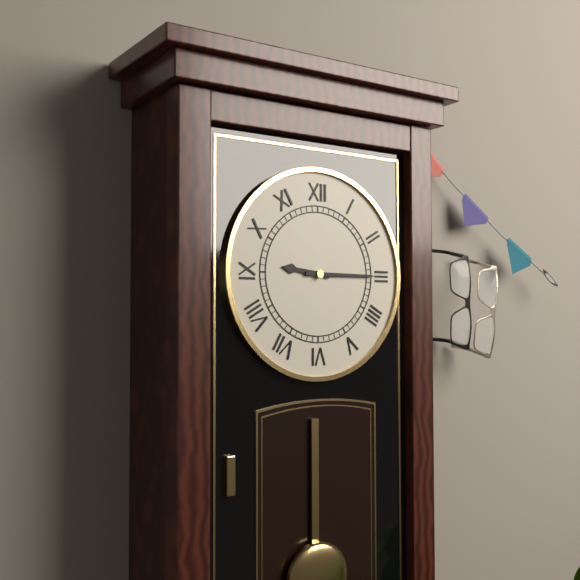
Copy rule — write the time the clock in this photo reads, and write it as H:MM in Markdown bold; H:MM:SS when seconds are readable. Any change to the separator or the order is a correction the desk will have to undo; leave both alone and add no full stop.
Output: **9:15**
